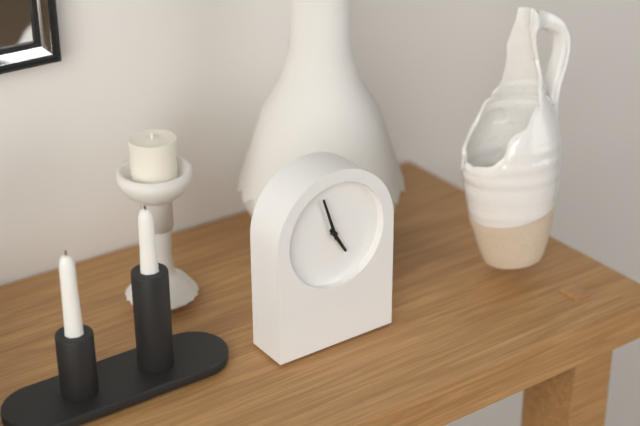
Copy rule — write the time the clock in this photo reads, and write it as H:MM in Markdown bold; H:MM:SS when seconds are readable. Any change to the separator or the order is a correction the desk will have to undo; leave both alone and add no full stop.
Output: **4:57**
